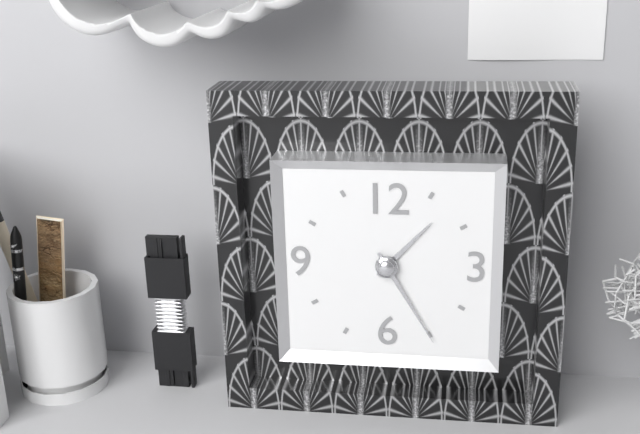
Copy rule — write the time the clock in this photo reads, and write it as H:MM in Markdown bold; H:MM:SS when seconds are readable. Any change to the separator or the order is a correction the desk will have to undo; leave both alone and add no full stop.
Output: **1:25**
